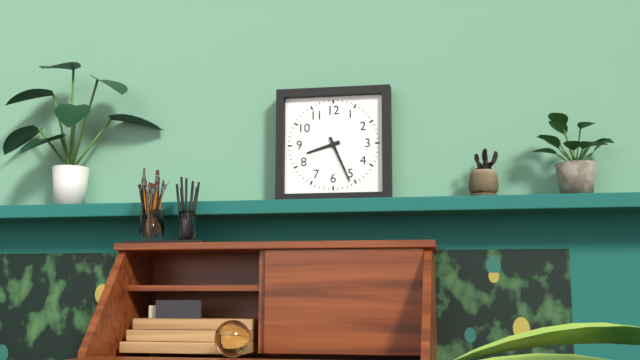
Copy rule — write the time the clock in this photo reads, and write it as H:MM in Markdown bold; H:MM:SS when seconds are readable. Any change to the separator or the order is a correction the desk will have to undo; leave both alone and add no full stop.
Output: **8:26**
